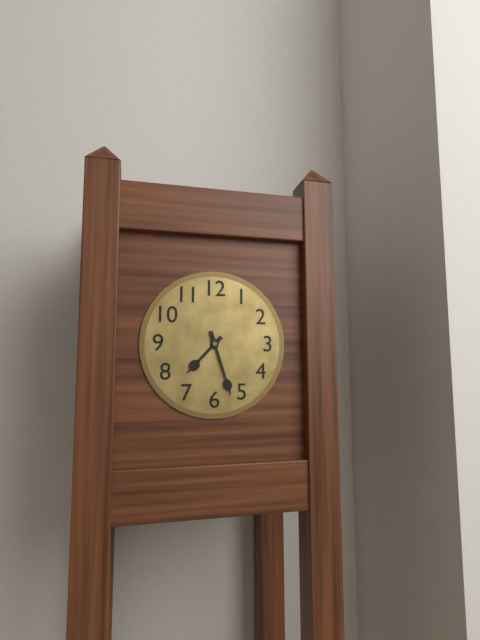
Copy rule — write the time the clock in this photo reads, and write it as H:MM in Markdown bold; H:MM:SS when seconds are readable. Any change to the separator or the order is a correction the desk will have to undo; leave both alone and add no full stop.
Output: **7:27**
